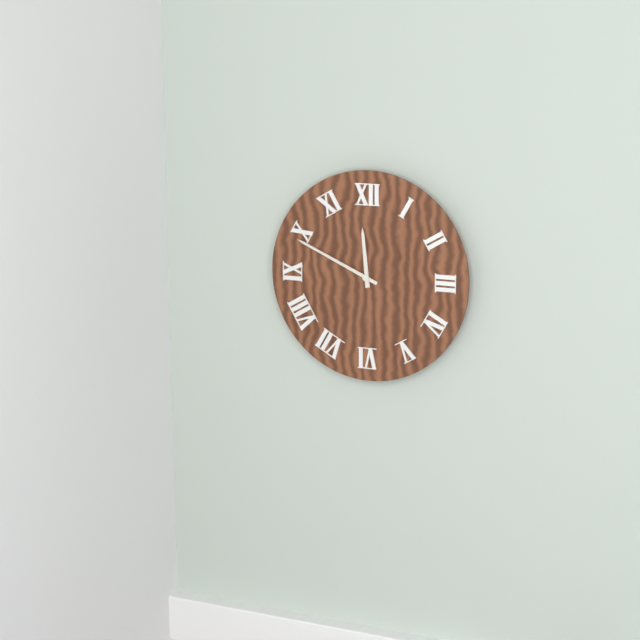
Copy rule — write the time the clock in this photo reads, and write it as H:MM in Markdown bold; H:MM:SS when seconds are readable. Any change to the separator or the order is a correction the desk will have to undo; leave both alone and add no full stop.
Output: **11:49**
